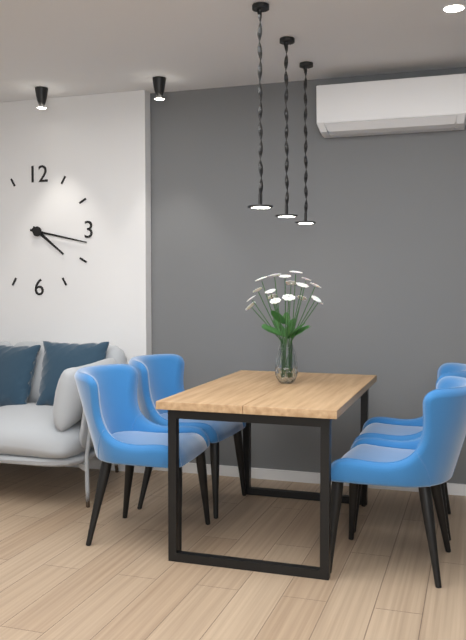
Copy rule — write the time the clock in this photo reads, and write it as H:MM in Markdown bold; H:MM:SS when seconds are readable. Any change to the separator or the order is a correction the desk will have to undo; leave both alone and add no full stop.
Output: **4:17**
